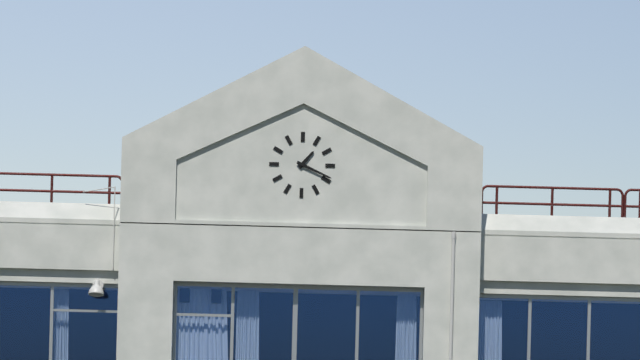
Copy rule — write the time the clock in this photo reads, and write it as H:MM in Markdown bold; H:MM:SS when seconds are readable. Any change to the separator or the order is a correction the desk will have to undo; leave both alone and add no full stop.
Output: **1:19**
